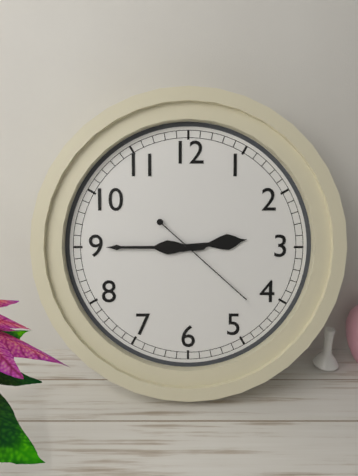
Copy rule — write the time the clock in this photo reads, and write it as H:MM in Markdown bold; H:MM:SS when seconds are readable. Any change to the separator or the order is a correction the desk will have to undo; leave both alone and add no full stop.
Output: **2:45:22**
